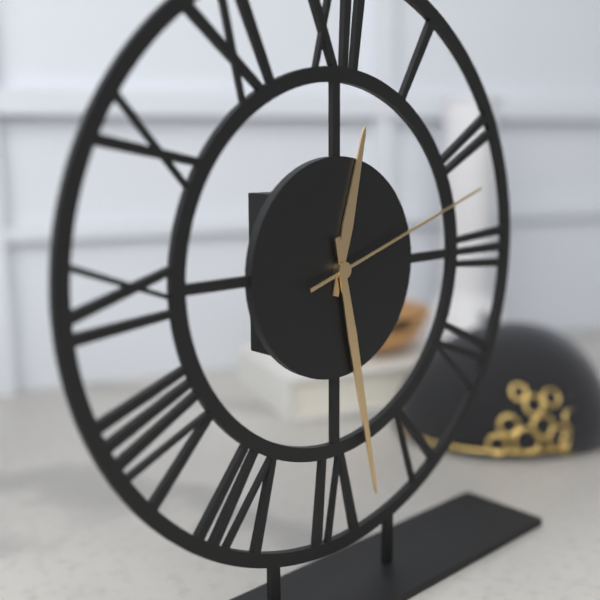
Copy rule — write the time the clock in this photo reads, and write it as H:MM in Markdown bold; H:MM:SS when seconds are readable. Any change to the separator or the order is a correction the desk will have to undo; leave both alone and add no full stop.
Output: **12:28:12**
